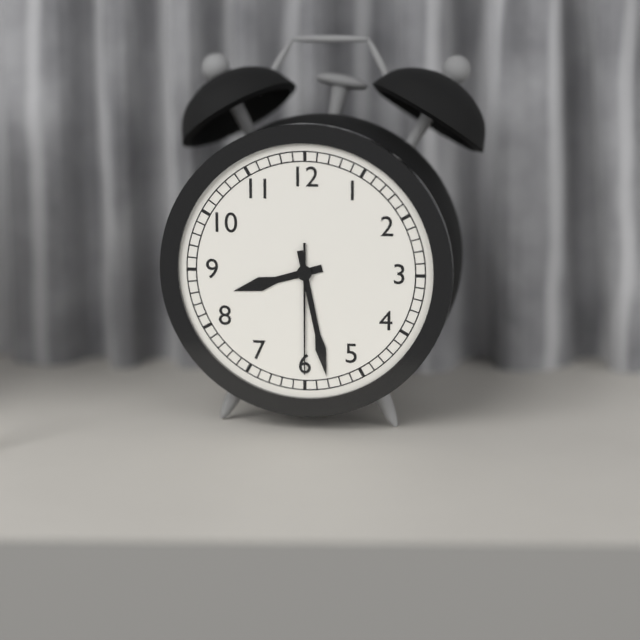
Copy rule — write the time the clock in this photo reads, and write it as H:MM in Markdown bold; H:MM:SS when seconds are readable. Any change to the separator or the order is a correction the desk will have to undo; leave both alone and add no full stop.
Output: **8:28:30**
